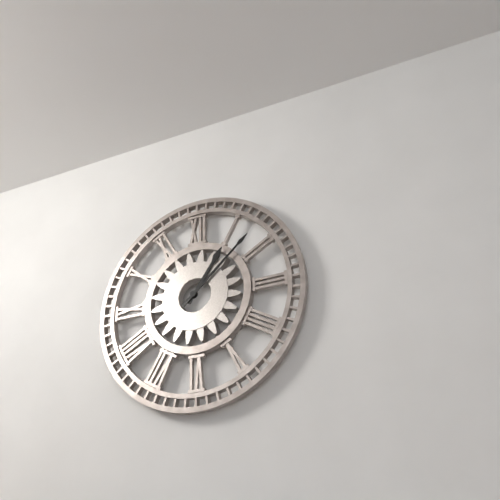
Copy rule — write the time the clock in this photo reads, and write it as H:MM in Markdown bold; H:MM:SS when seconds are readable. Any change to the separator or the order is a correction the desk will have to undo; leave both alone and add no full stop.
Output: **1:08**
